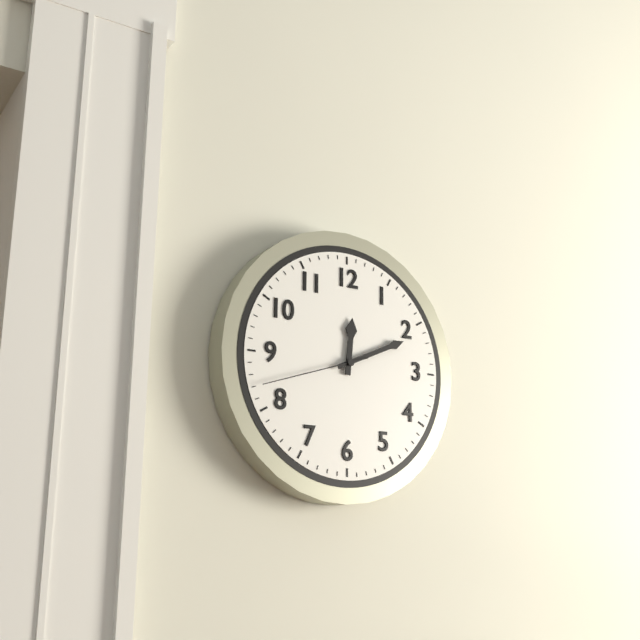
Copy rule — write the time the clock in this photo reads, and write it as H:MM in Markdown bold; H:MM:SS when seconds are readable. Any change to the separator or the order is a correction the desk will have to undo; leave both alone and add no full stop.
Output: **12:11:42**
